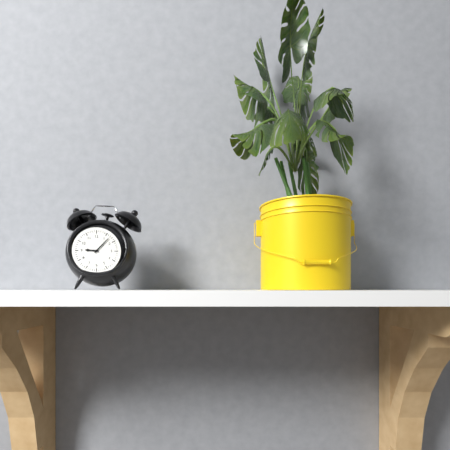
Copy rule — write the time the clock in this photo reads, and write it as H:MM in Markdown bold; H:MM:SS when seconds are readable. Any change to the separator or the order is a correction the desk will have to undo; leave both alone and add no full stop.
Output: **9:07**
